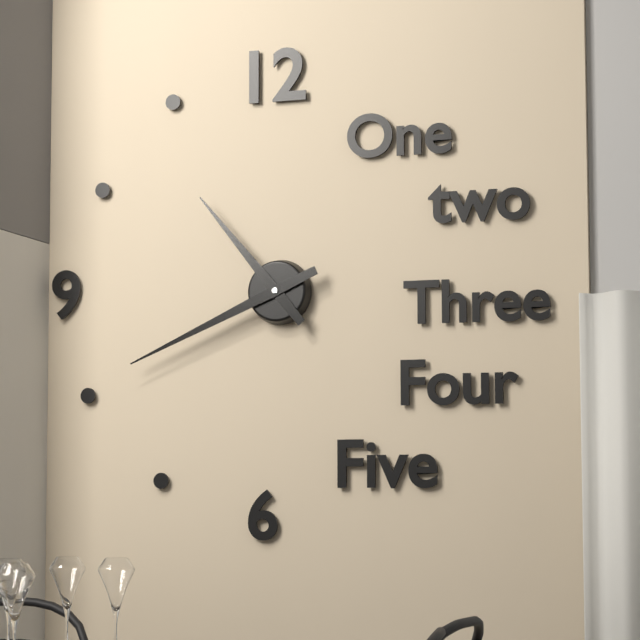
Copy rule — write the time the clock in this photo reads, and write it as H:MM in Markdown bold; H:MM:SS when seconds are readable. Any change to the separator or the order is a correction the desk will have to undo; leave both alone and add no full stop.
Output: **10:41**
